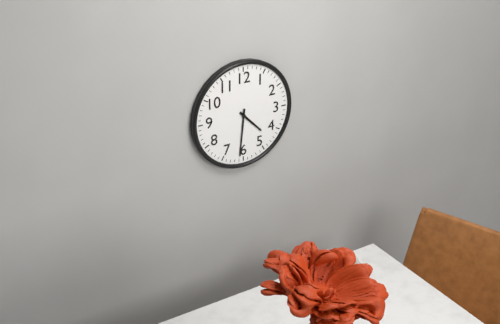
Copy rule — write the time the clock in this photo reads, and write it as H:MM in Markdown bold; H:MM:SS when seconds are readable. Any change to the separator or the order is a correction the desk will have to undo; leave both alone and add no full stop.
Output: **4:31**
